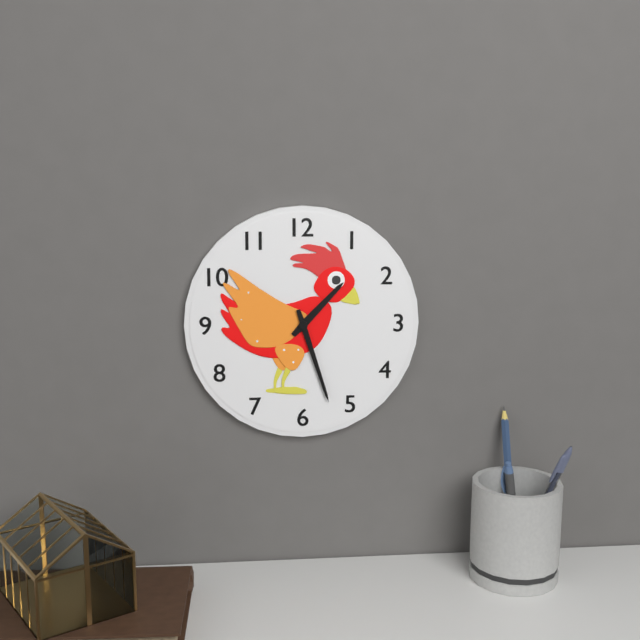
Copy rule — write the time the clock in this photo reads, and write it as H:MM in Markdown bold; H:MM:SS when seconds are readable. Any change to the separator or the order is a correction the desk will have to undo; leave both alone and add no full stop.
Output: **1:27**
